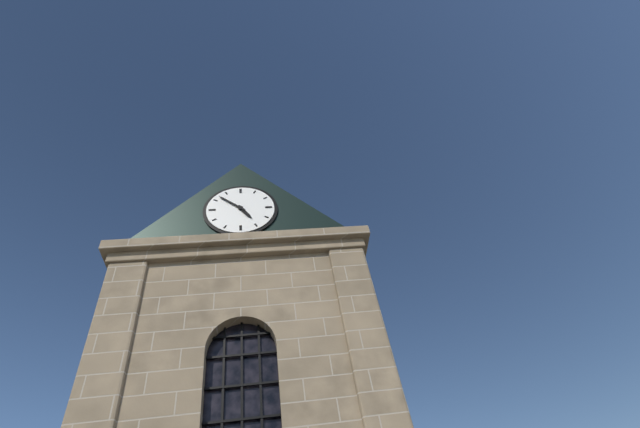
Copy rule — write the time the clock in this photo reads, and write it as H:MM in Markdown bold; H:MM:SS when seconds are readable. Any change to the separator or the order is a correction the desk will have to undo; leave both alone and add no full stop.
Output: **4:52**
